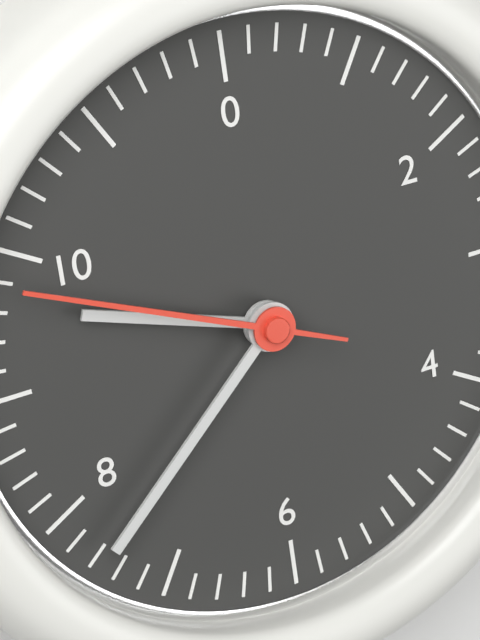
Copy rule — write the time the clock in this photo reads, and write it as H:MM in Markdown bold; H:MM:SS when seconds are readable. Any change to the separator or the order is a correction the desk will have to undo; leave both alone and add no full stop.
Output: **9:38:49**
